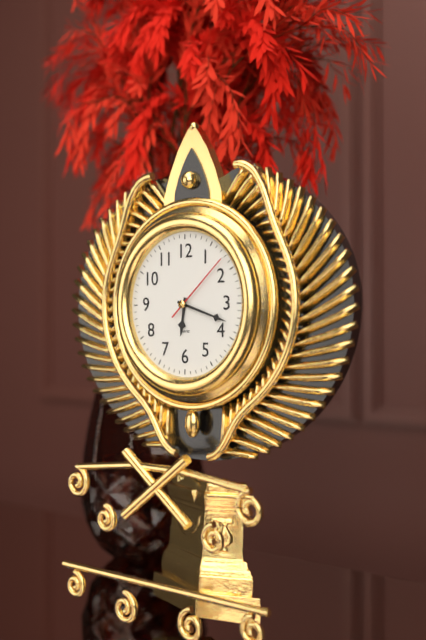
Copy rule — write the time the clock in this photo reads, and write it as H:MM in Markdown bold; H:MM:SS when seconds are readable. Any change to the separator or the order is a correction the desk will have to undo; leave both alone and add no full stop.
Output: **6:18:08**
